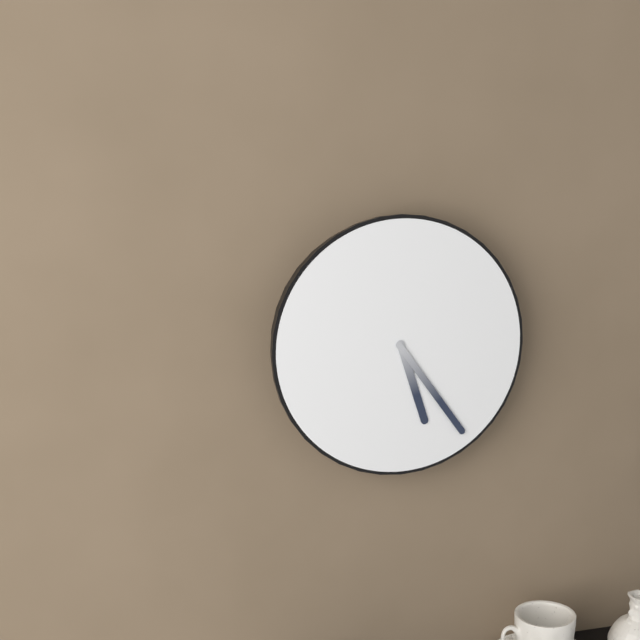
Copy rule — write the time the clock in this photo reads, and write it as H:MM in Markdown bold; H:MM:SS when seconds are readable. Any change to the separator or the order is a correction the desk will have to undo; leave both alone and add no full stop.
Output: **5:24**
